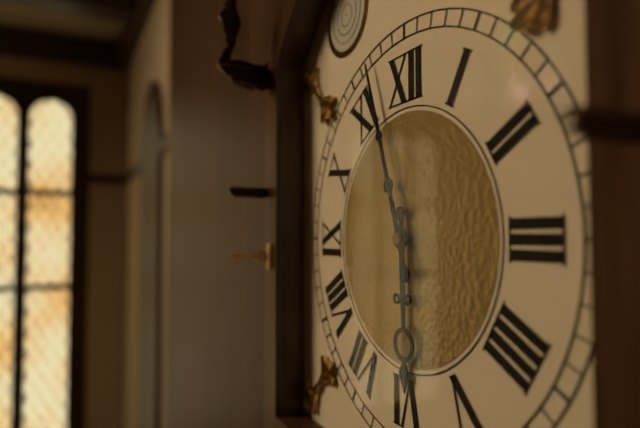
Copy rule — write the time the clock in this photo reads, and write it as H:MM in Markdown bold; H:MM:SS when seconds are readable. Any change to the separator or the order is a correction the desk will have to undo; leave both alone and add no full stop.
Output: **5:57**
